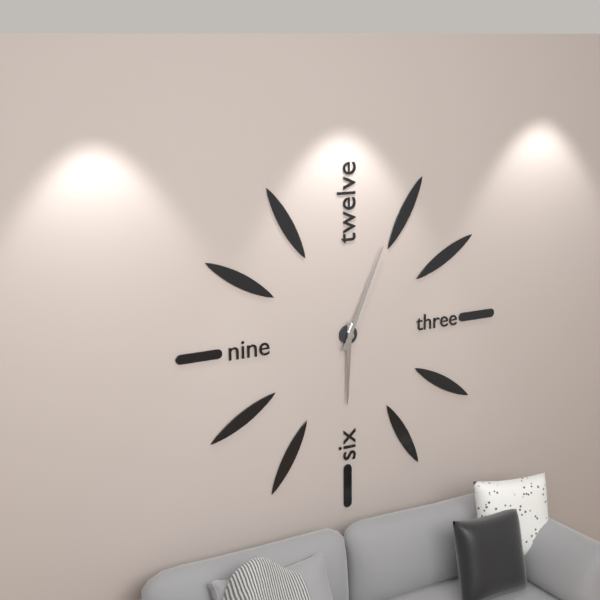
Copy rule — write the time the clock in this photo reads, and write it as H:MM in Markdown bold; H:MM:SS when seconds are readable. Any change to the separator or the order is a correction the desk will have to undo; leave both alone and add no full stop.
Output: **6:04**
